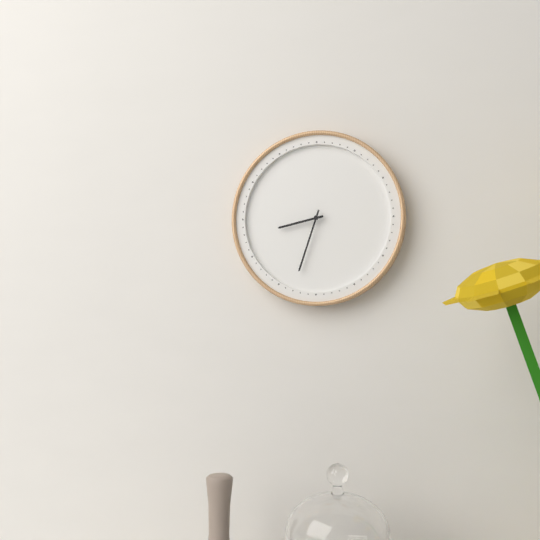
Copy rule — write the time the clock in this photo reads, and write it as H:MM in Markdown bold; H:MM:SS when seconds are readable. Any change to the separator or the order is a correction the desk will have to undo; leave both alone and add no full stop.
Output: **8:33**
